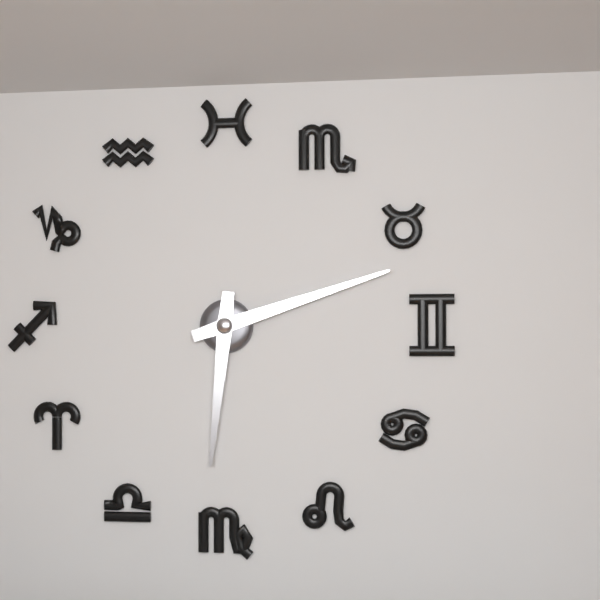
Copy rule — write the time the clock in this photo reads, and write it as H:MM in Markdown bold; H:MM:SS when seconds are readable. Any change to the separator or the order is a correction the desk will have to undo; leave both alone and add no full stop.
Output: **6:12**
